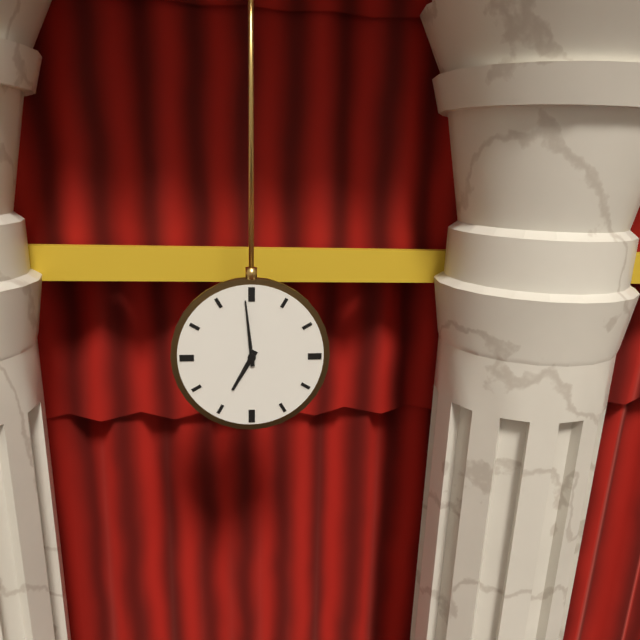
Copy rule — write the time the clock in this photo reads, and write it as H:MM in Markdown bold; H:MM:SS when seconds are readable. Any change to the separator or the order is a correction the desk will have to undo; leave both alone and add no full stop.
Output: **6:59**
